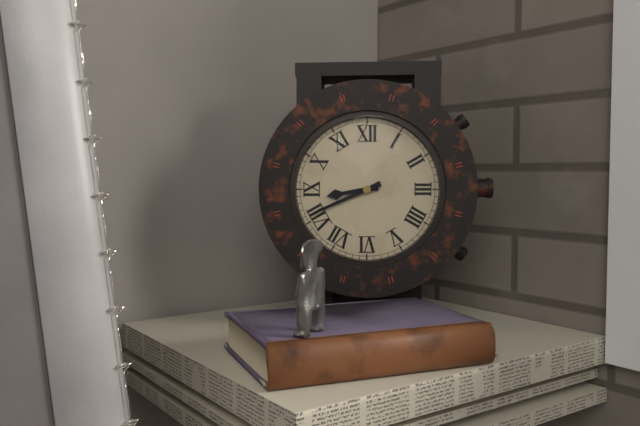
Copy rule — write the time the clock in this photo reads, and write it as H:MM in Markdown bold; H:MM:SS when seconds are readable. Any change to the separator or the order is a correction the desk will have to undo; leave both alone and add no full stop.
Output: **8:41**
